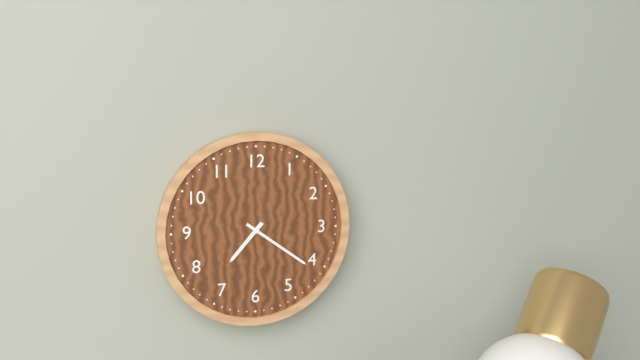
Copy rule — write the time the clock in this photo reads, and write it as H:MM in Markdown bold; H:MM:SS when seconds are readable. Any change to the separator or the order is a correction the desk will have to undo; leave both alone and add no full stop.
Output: **7:21**
